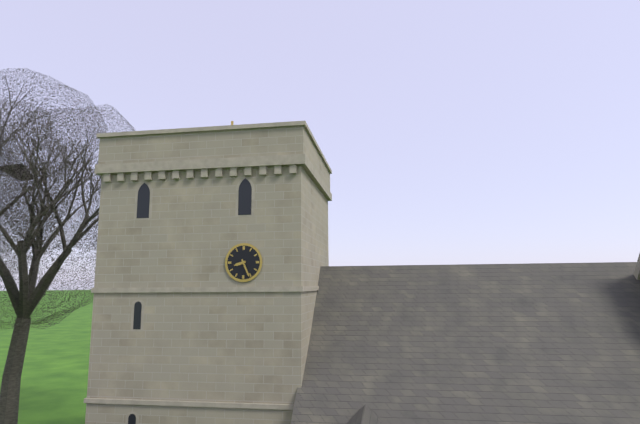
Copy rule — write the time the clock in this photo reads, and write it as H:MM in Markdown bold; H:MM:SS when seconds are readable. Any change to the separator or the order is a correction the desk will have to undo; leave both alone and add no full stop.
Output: **8:26**
